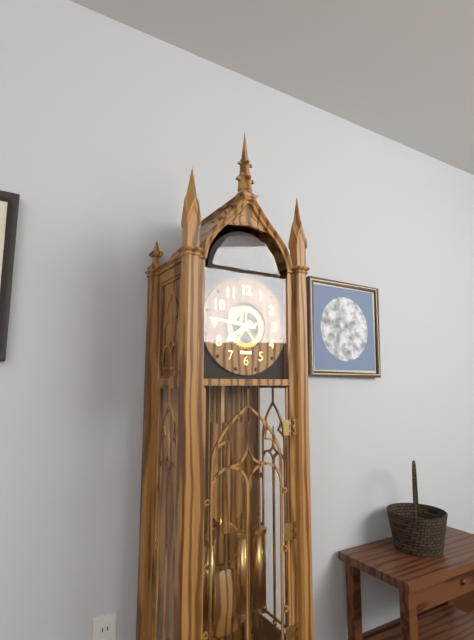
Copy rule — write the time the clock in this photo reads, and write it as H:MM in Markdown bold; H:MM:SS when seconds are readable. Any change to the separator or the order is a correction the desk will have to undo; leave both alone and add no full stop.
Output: **7:46**
